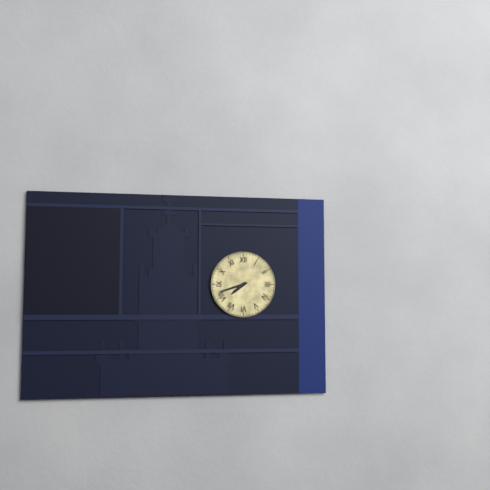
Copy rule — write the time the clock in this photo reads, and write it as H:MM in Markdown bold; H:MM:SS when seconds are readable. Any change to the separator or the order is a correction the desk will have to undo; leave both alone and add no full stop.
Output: **7:42**
